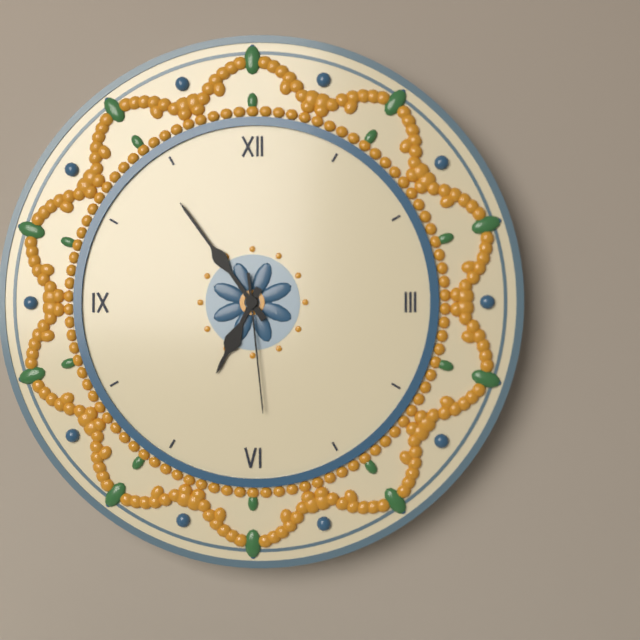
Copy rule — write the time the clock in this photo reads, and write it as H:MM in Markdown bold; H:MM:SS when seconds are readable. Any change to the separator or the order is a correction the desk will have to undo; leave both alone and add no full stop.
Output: **6:54:29**
